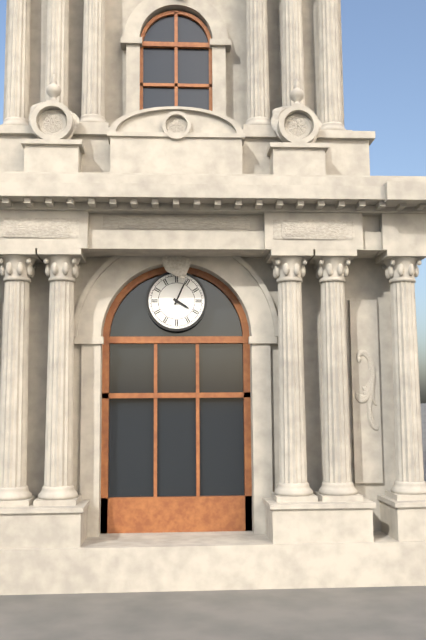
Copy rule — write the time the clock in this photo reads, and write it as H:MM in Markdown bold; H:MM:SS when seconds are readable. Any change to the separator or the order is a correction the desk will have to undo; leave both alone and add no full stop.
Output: **4:04**
